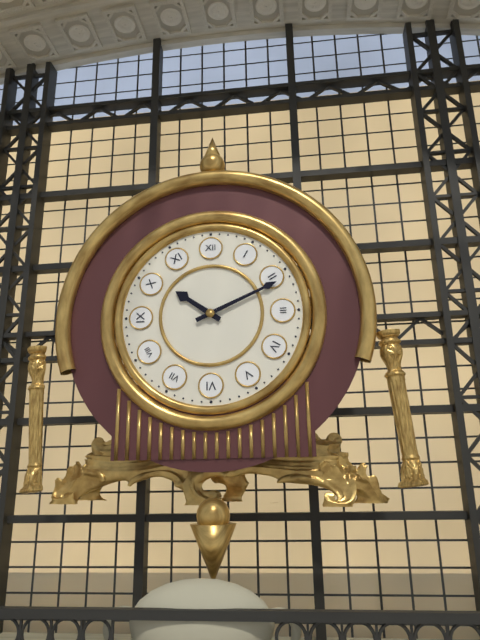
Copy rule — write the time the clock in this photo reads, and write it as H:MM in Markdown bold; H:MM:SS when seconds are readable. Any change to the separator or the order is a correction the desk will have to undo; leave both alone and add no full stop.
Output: **10:11**
